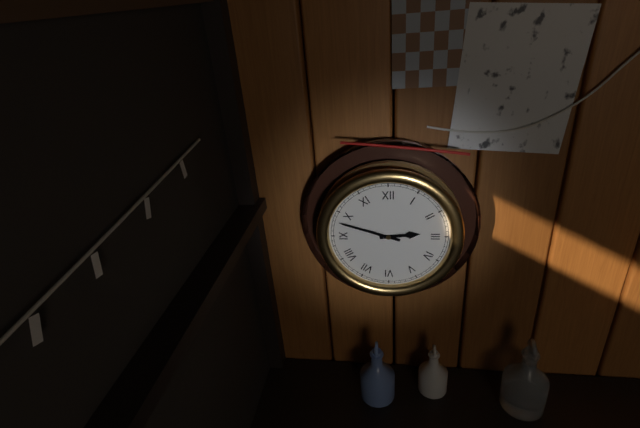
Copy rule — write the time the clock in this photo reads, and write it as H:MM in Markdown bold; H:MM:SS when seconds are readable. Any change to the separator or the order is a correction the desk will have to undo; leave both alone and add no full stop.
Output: **2:48**
